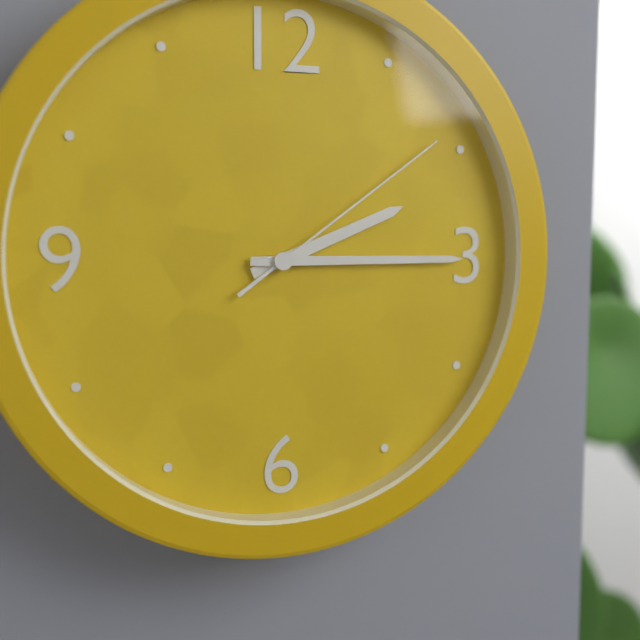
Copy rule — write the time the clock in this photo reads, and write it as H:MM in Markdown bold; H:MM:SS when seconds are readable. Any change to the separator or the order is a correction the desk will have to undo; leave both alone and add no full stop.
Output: **2:15:09**
